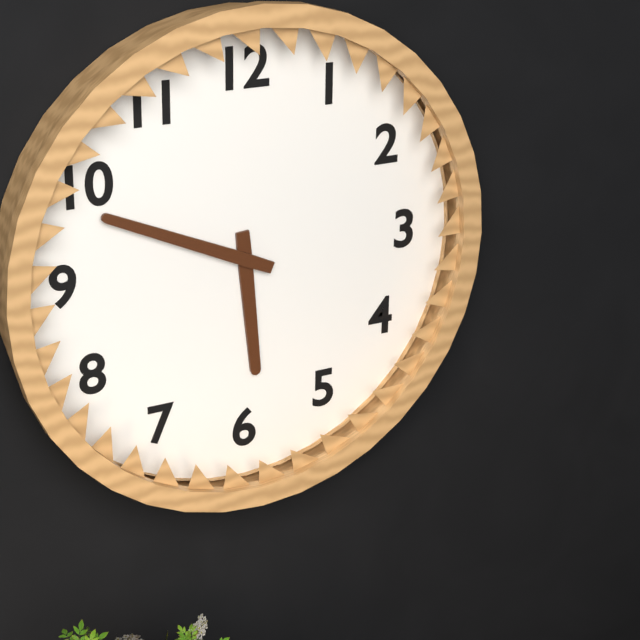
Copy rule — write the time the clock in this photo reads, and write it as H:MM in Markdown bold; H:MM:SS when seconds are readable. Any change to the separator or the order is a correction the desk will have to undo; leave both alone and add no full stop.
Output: **5:49**
